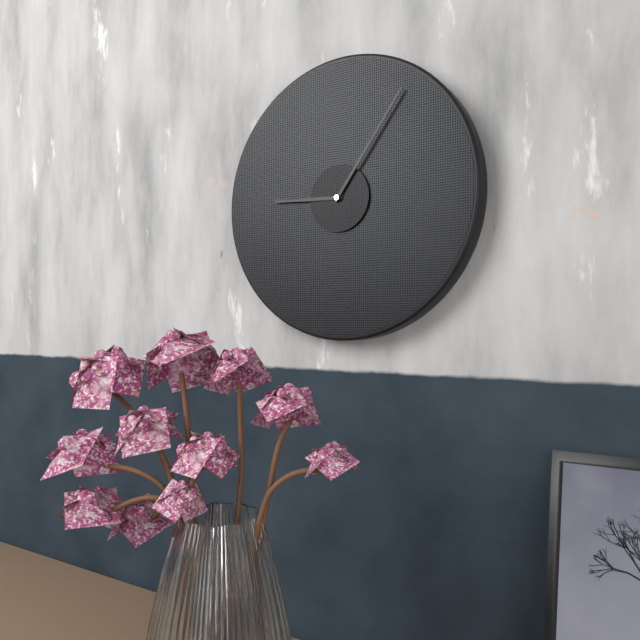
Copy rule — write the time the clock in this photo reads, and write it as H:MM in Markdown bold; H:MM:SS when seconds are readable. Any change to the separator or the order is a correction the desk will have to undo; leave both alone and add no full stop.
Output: **9:06**
